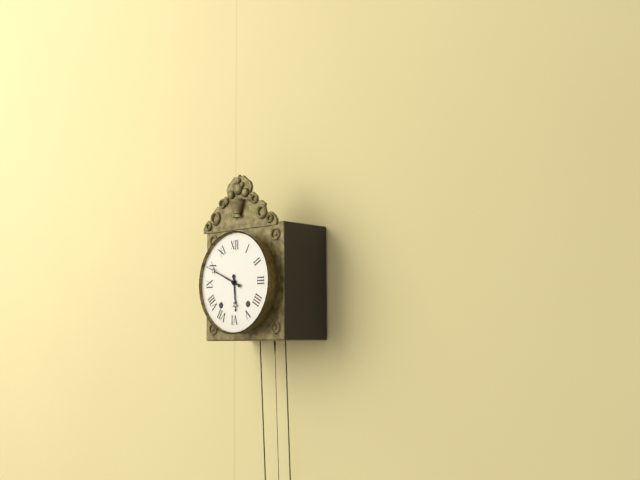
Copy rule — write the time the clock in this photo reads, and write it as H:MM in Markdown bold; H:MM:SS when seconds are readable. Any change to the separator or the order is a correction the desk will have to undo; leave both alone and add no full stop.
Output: **5:49**
